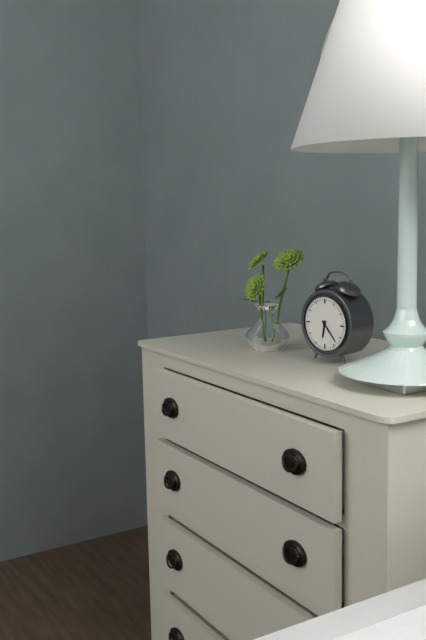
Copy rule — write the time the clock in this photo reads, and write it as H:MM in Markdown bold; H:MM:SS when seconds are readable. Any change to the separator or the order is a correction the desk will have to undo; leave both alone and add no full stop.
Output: **6:23**
